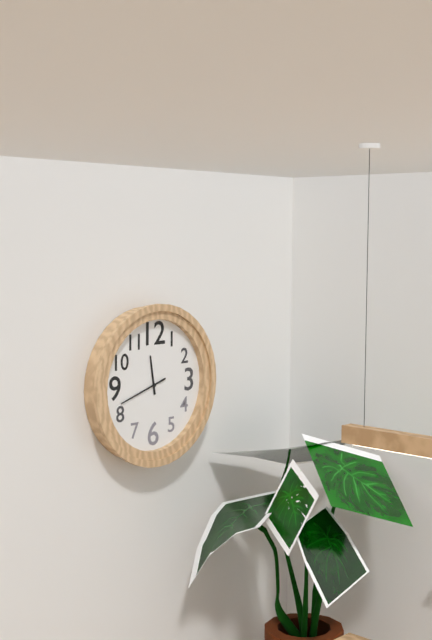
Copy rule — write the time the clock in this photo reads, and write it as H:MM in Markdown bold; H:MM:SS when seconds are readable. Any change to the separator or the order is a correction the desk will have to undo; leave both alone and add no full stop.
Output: **11:42**
